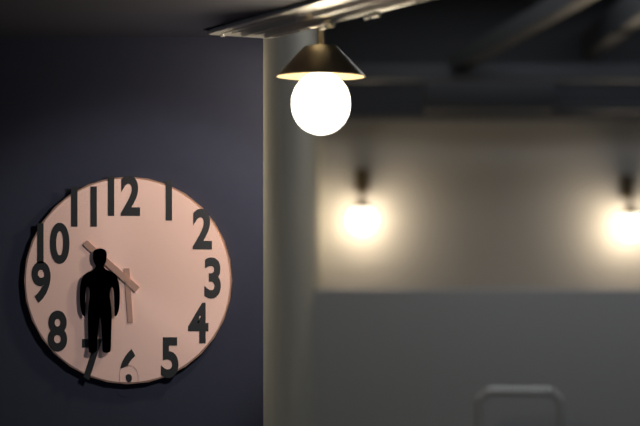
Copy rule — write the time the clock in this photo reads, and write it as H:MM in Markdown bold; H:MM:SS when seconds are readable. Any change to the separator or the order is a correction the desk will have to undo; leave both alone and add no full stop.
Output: **5:52**
